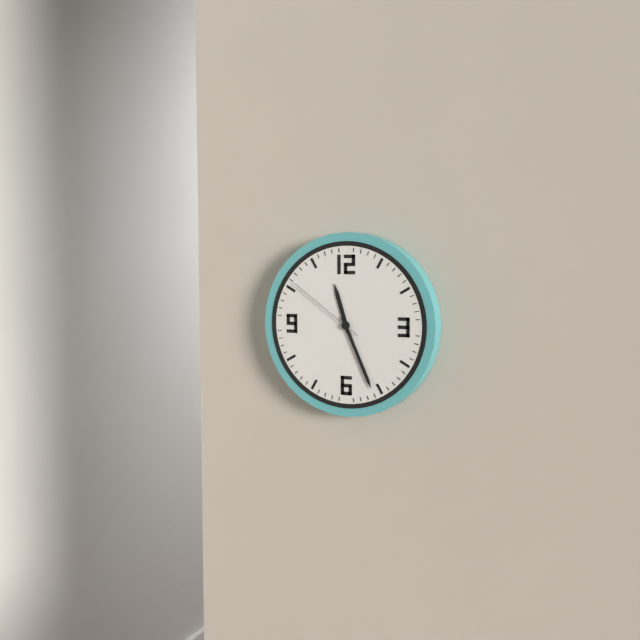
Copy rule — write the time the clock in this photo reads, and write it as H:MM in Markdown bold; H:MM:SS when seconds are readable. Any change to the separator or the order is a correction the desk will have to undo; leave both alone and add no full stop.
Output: **11:26:51**
